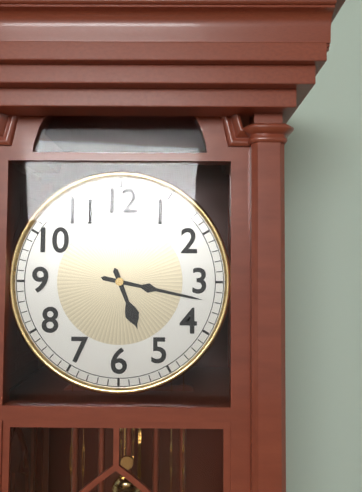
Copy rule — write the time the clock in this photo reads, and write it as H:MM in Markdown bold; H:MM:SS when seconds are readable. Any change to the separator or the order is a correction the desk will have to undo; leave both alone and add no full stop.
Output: **5:17**
